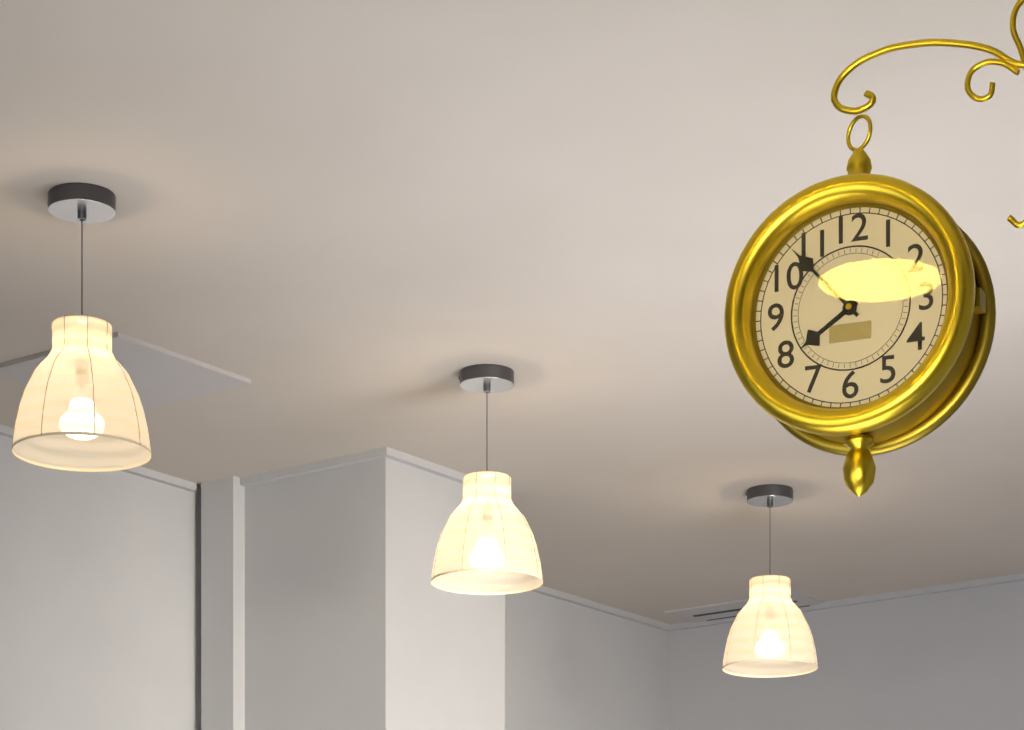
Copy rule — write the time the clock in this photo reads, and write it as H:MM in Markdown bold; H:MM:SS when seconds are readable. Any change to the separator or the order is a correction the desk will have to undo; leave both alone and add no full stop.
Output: **7:53**
